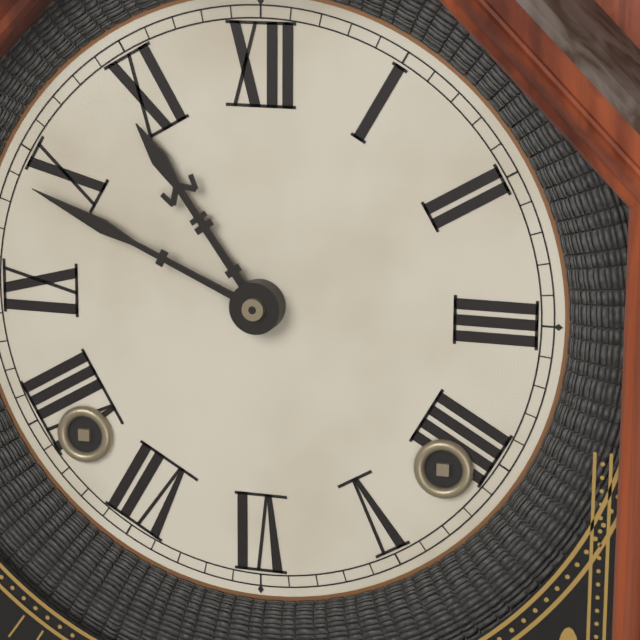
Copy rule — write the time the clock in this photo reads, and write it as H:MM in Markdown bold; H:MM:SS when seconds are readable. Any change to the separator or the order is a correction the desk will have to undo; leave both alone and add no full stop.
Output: **10:49**
